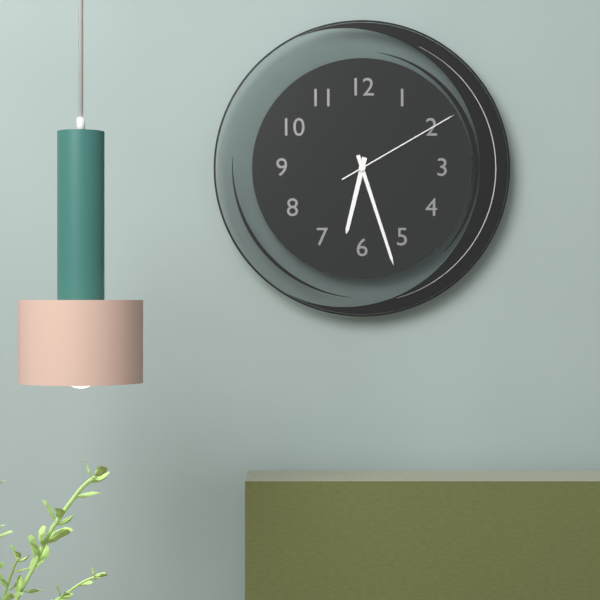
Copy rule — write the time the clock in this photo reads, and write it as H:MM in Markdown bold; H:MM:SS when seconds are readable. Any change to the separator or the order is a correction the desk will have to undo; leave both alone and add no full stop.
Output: **6:27:10**
